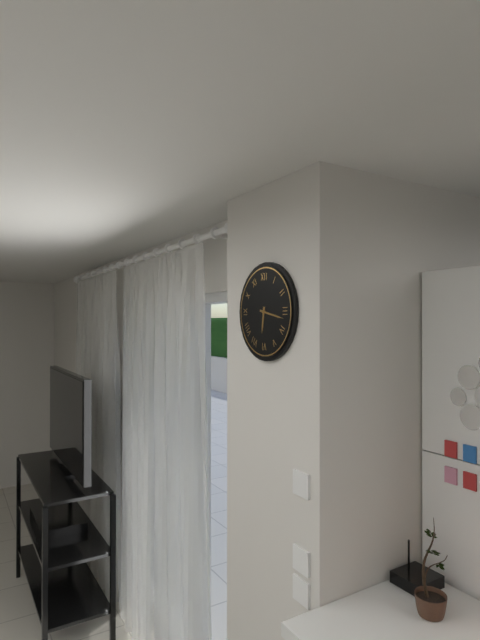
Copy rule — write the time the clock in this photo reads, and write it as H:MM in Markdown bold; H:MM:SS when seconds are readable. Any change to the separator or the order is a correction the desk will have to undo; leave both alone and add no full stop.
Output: **6:17**
